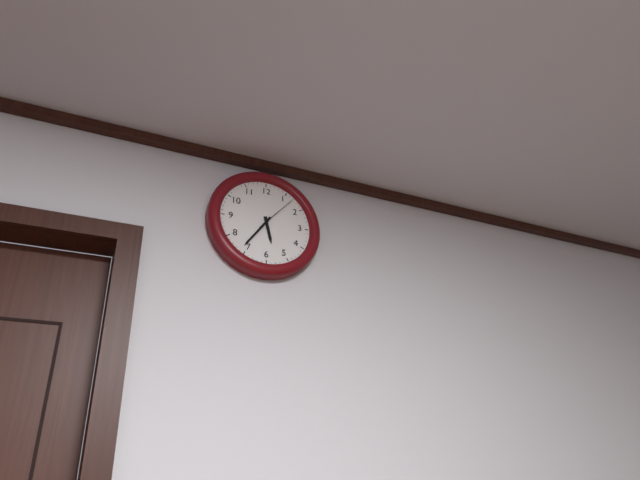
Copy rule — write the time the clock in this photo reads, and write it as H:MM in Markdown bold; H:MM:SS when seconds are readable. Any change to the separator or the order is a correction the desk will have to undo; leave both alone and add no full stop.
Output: **5:36**
